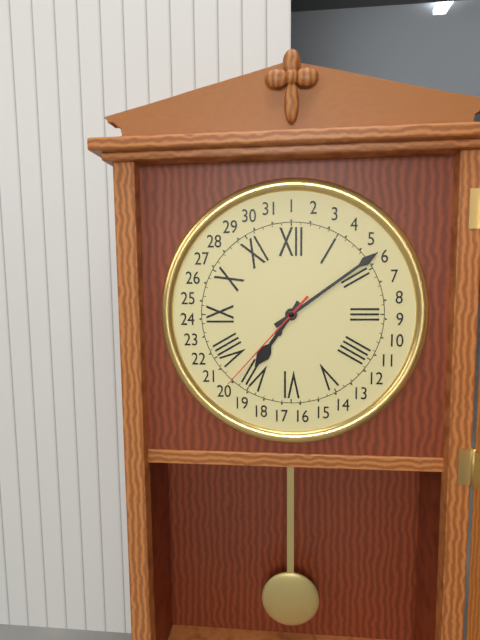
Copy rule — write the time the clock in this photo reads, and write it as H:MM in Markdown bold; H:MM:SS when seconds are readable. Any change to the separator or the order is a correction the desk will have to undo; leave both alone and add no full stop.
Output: **7:09:37**
